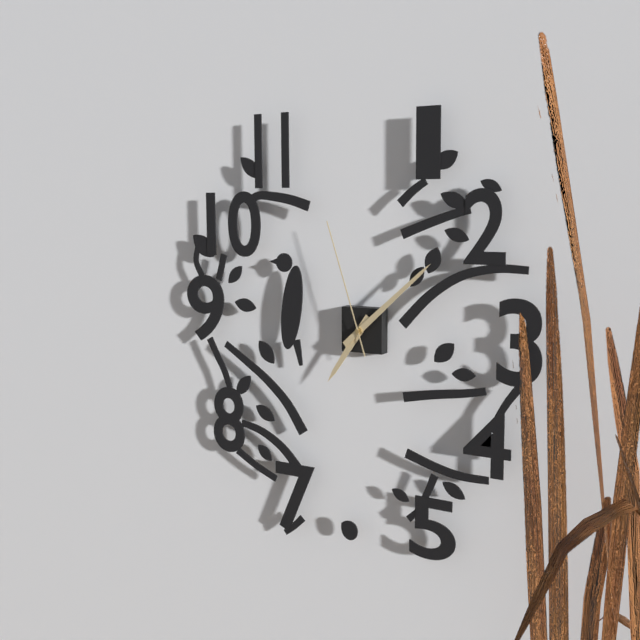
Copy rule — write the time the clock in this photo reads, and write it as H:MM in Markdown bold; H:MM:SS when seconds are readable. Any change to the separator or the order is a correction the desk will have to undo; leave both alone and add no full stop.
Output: **7:08:57**
